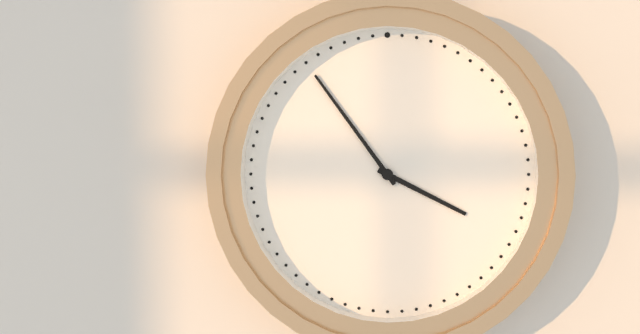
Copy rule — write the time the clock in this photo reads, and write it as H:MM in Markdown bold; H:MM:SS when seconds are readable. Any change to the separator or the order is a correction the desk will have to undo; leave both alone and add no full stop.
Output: **3:54**
